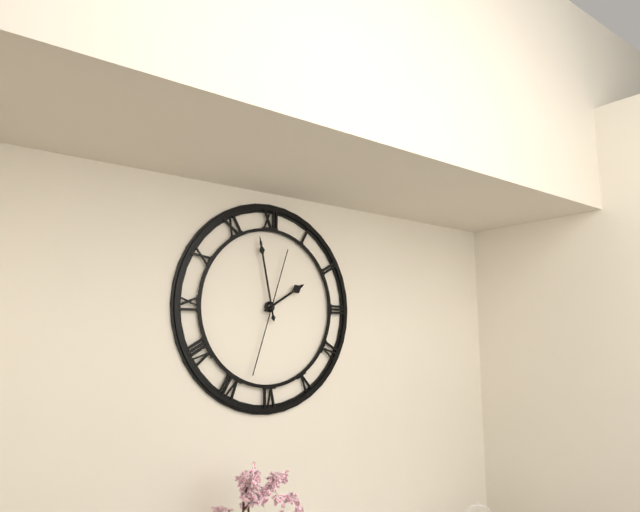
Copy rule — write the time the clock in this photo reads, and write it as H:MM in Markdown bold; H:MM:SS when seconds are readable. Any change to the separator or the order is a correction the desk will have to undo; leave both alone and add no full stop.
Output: **1:58:33**
